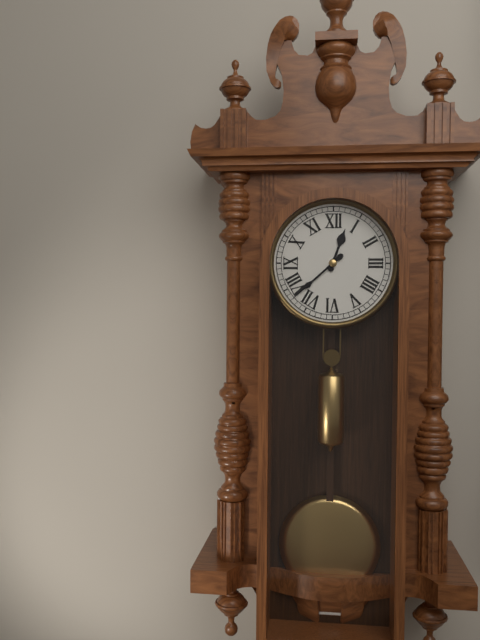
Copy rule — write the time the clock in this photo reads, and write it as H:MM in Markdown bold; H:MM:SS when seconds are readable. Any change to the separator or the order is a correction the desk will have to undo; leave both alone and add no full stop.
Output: **12:38**
